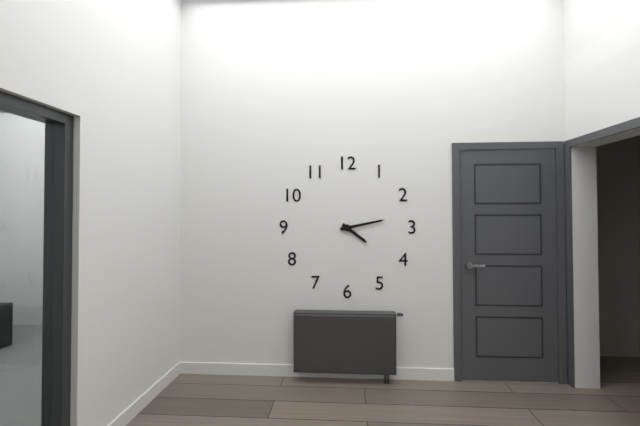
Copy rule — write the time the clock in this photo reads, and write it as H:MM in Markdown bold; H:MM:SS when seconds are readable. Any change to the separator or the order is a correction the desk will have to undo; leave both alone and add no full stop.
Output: **4:13**
